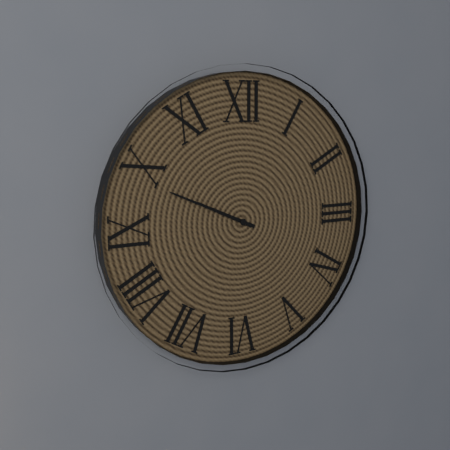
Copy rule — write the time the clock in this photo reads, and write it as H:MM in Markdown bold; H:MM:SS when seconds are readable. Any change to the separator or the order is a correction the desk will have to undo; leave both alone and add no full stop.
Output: **9:49**
